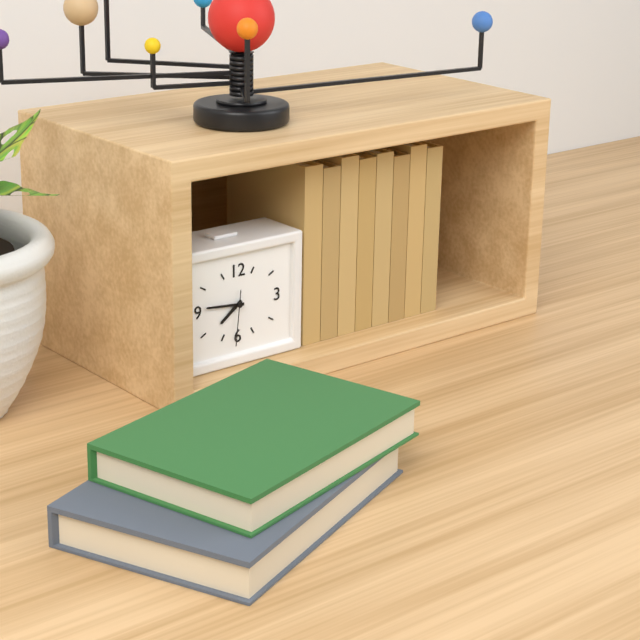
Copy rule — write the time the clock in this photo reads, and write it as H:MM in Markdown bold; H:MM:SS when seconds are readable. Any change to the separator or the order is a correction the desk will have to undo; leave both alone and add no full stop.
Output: **7:46:31**
